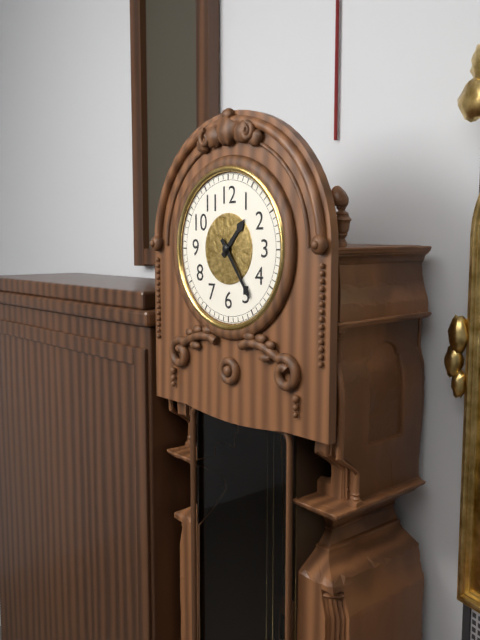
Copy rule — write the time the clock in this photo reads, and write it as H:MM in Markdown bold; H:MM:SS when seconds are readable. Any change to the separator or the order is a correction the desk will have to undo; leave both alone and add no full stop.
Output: **1:24**
